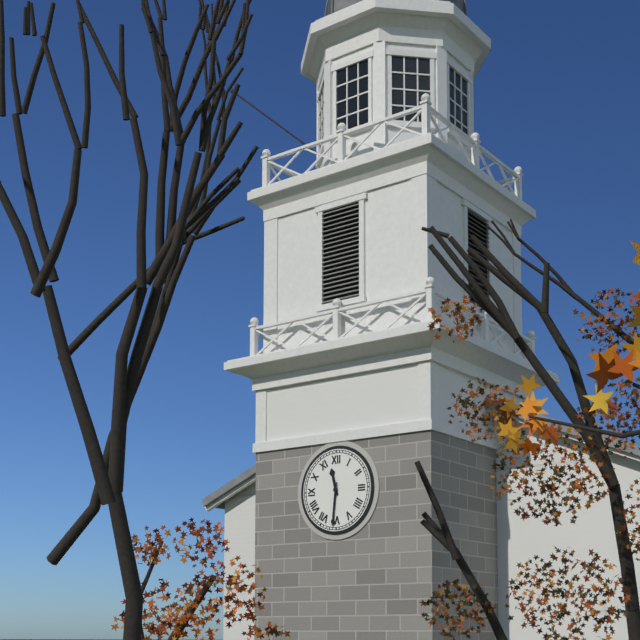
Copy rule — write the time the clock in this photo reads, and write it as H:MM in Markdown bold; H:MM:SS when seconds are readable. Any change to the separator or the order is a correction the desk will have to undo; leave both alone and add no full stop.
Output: **11:31**
